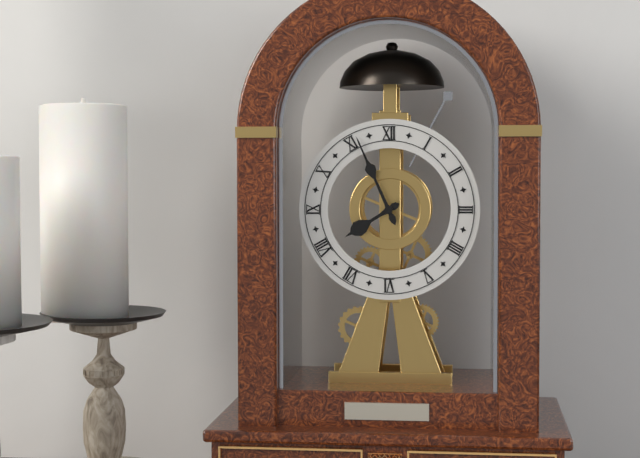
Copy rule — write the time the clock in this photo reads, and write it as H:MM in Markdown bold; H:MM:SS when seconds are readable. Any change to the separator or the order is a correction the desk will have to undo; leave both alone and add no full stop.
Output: **7:56**
